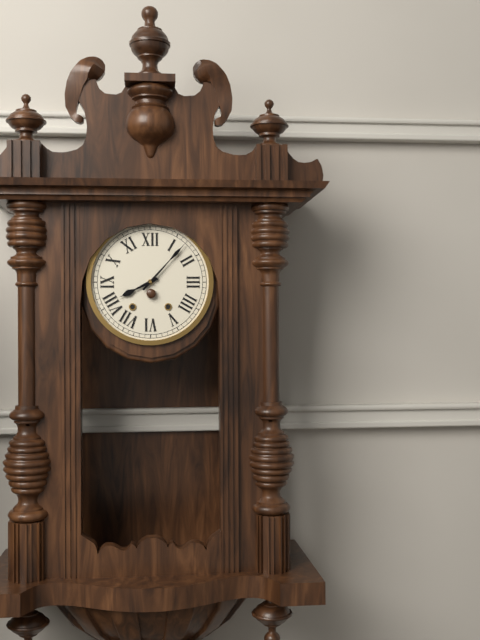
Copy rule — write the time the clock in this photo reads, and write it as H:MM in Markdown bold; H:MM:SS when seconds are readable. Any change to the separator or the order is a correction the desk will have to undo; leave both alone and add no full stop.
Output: **8:07**
